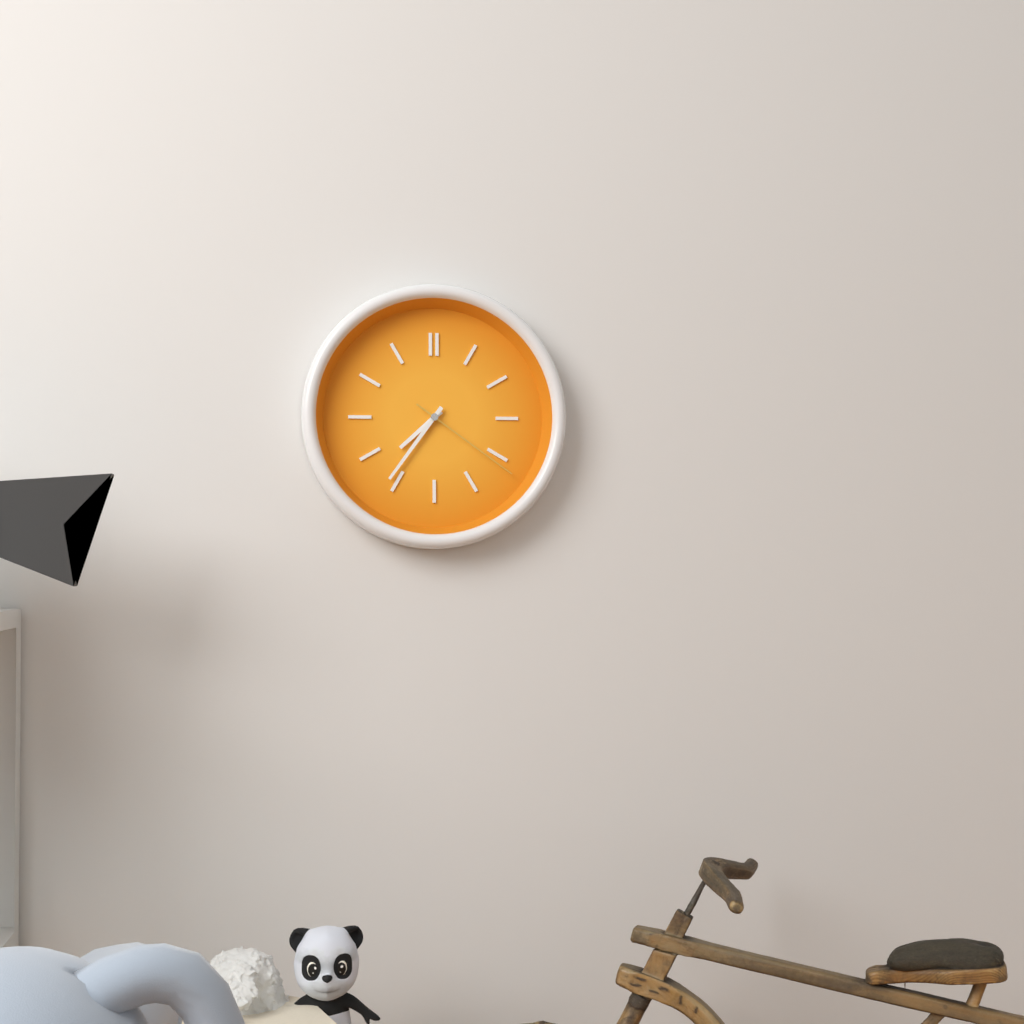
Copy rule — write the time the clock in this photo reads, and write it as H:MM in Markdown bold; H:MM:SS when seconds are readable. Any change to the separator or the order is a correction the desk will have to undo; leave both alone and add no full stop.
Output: **7:36:21**
